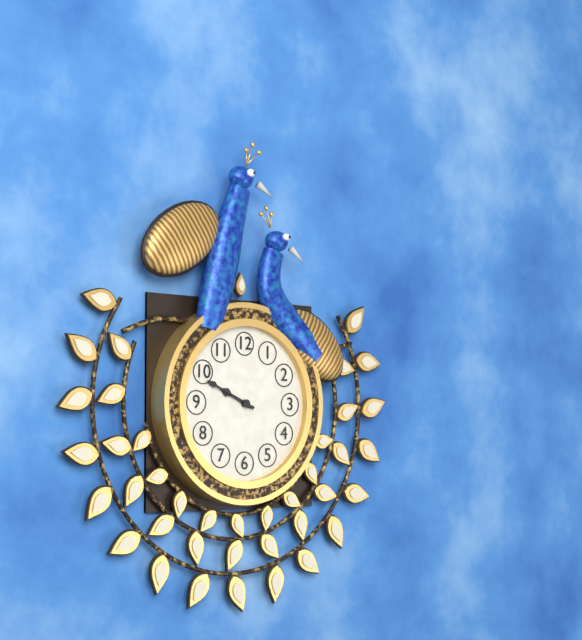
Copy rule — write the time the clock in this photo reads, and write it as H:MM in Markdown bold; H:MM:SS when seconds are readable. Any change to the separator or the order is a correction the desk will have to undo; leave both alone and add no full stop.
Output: **9:49**
